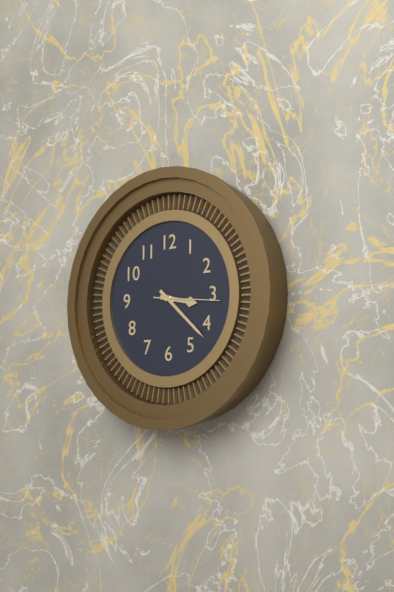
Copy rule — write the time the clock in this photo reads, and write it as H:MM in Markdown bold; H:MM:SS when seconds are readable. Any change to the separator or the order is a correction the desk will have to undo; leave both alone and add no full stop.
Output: **3:22:16**
